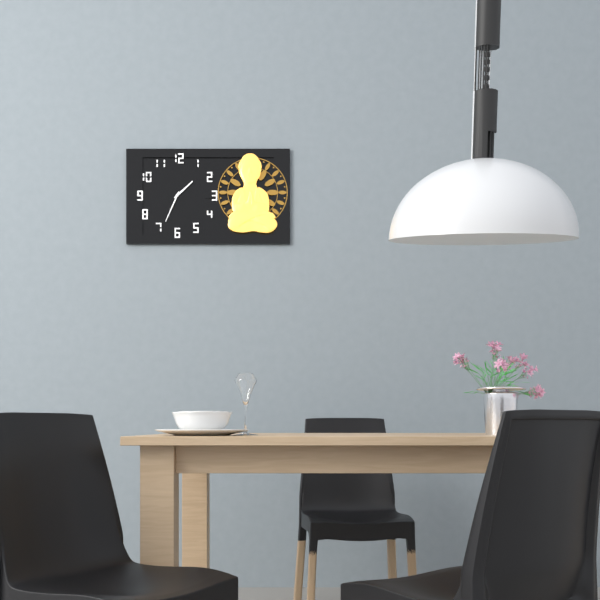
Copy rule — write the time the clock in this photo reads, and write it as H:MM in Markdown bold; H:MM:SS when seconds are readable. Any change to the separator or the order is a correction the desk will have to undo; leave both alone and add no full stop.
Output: **1:34**
